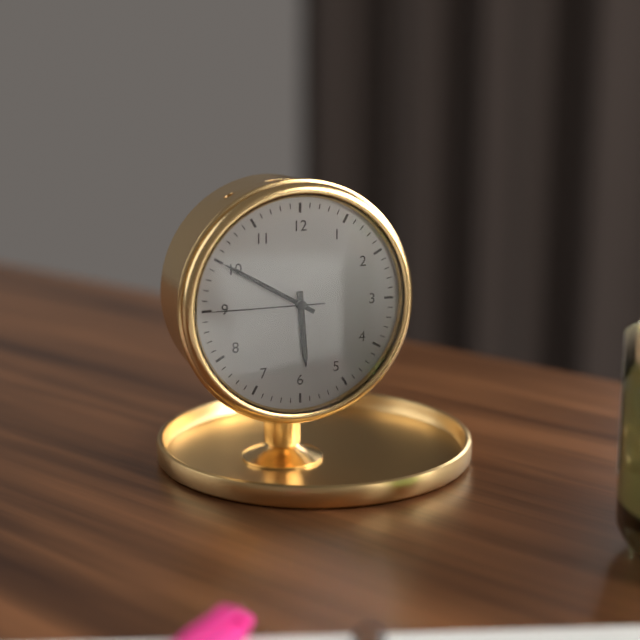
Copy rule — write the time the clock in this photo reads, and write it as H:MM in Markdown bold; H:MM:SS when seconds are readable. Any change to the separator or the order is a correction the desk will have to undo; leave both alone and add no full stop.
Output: **5:50:45**
